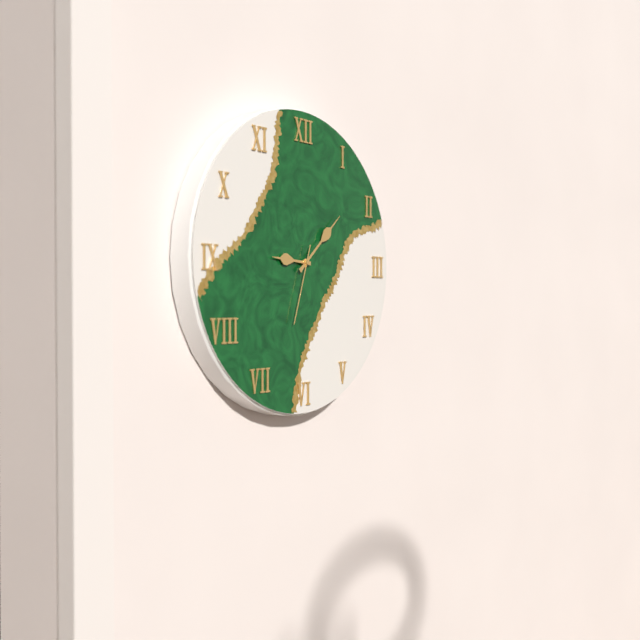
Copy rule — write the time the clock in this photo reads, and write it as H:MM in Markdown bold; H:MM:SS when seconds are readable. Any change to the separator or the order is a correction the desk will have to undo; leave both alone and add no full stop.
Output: **9:08:33**
